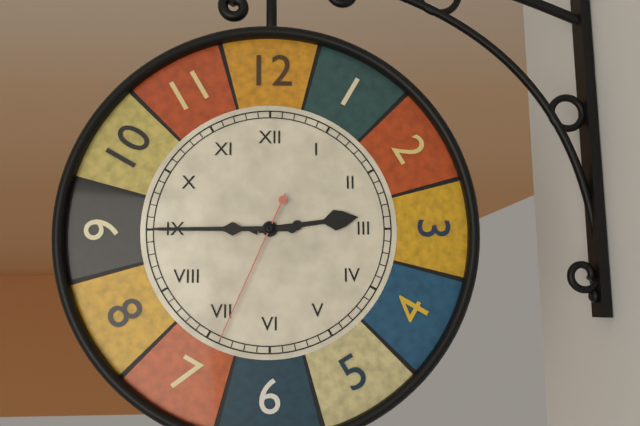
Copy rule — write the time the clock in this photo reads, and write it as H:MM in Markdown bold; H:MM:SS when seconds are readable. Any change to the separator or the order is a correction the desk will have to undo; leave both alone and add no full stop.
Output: **2:45:34**
